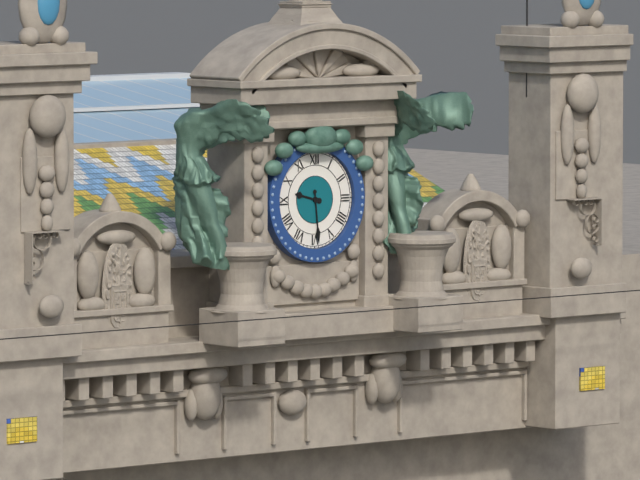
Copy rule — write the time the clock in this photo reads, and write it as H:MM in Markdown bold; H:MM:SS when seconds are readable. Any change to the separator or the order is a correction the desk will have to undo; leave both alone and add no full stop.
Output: **9:29**
